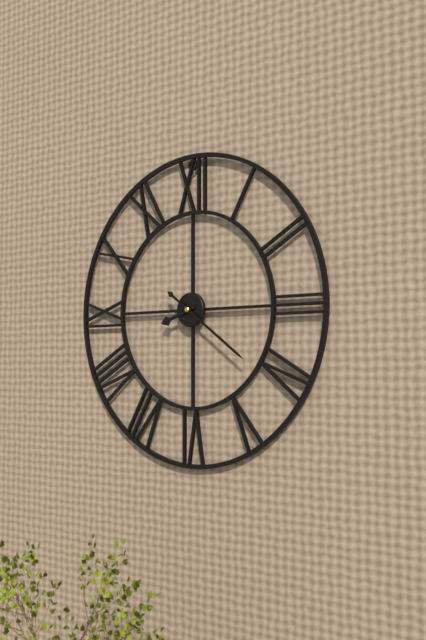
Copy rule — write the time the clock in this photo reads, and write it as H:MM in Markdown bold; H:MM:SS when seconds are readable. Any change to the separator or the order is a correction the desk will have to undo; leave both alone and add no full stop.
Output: **8:21**
